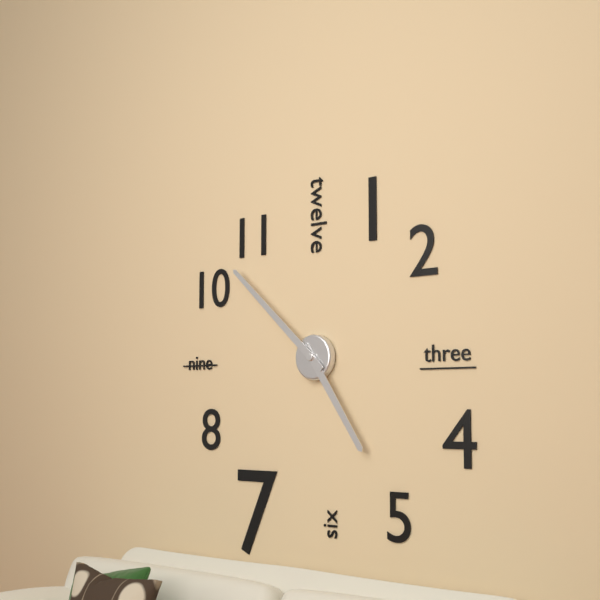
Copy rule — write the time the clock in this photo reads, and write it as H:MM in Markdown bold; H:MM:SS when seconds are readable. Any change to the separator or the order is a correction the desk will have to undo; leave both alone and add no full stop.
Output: **4:52**
